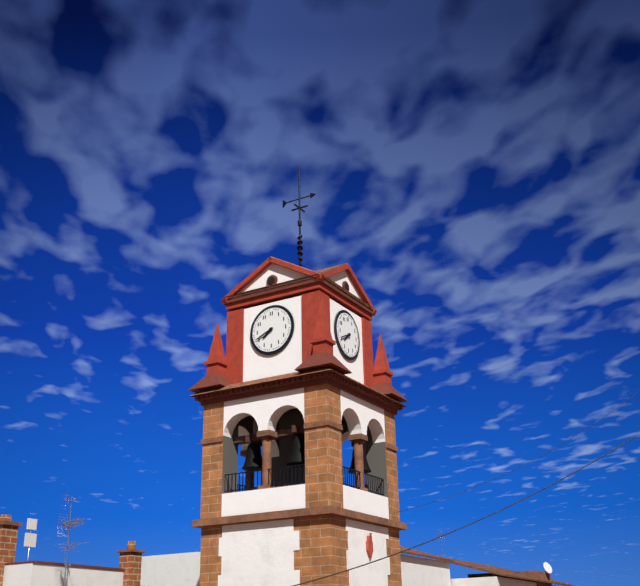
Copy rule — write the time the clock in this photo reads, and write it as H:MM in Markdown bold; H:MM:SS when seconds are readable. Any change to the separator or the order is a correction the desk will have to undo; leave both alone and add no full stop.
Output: **7:41**
